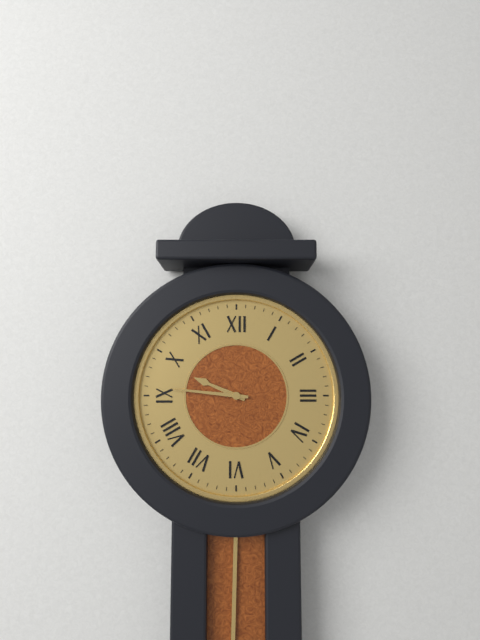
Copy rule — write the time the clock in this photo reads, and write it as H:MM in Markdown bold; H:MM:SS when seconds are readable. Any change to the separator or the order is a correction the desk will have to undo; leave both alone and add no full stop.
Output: **9:46**
